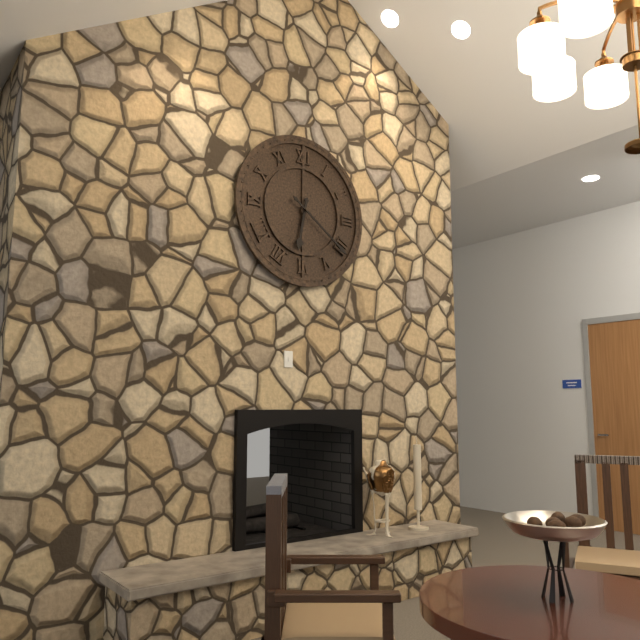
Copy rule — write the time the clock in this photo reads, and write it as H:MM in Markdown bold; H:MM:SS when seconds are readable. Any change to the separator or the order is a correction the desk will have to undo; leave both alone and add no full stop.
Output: **6:21**
